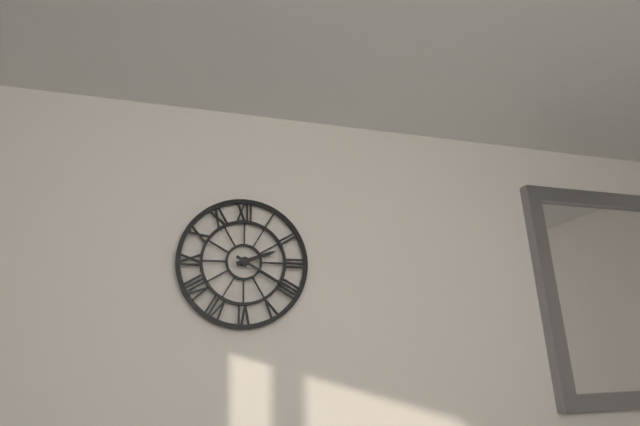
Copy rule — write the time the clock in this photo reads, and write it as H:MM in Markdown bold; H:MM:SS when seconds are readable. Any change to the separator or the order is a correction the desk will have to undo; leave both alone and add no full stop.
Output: **2:20**
